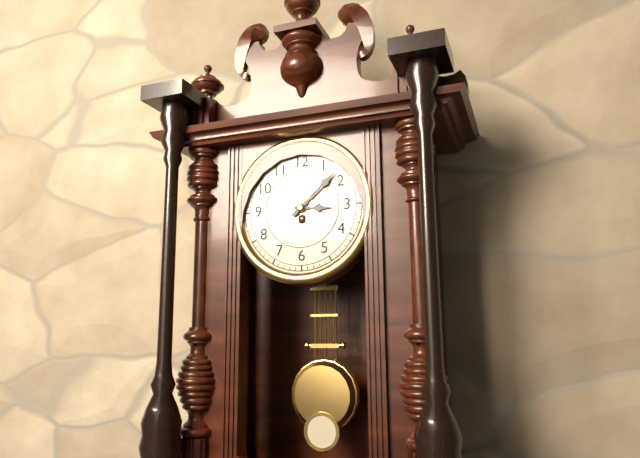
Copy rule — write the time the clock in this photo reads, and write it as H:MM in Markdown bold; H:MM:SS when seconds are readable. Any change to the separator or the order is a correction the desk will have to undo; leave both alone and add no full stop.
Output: **3:08**
